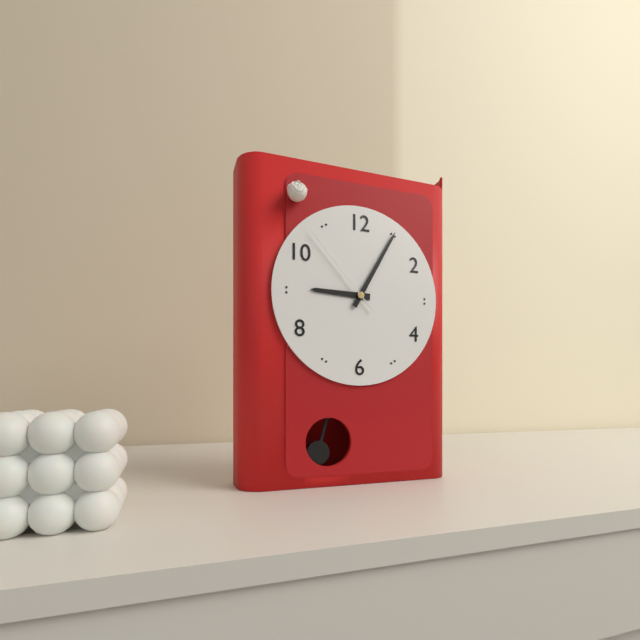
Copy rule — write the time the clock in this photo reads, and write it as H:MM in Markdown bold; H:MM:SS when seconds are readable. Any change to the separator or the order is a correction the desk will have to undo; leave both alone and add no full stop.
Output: **9:05:53**
